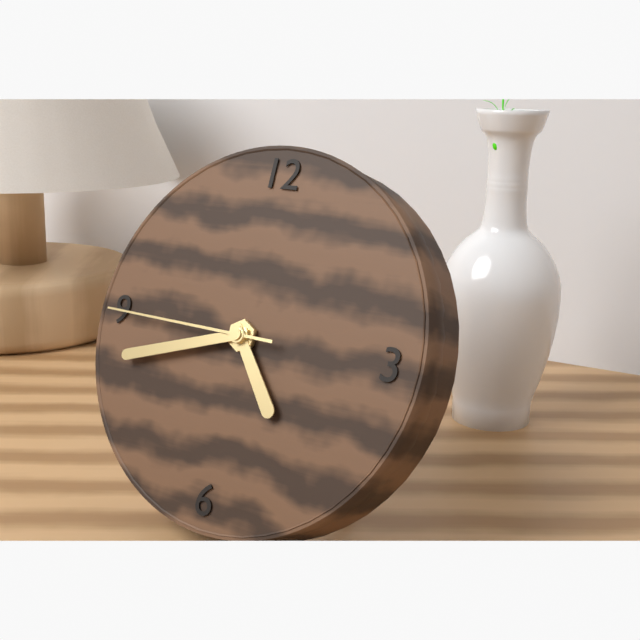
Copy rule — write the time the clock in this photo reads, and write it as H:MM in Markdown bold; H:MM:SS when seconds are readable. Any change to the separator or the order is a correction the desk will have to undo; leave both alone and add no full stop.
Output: **4:42:45**
